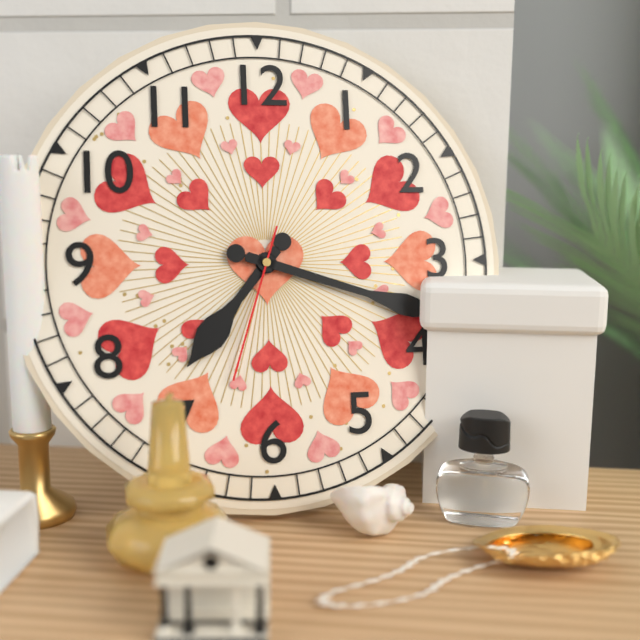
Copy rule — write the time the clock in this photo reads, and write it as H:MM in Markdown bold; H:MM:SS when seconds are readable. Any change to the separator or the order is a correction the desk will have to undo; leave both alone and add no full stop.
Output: **7:18:33**
